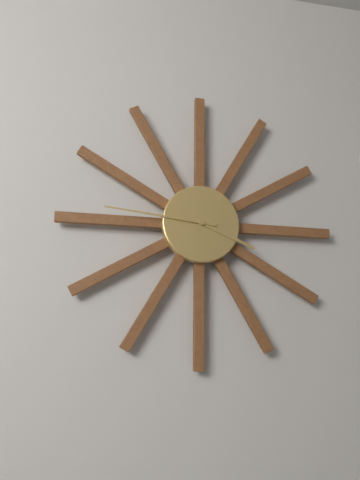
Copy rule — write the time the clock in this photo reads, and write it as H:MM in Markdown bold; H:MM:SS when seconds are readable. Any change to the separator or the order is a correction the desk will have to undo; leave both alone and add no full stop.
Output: **3:46**
